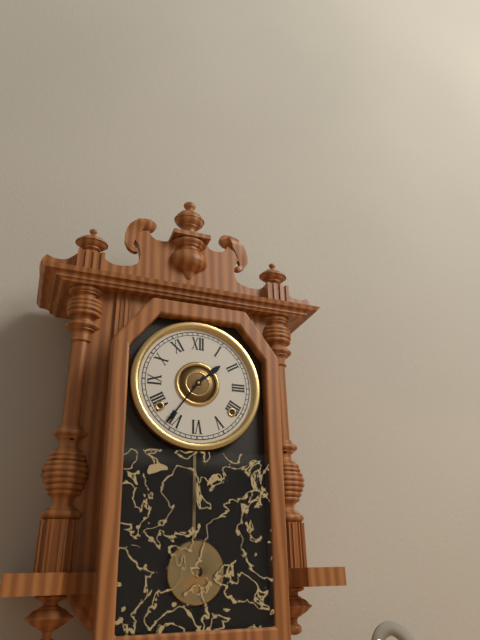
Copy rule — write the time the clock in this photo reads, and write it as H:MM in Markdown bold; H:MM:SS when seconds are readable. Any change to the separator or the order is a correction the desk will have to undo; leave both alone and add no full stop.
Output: **1:36**
